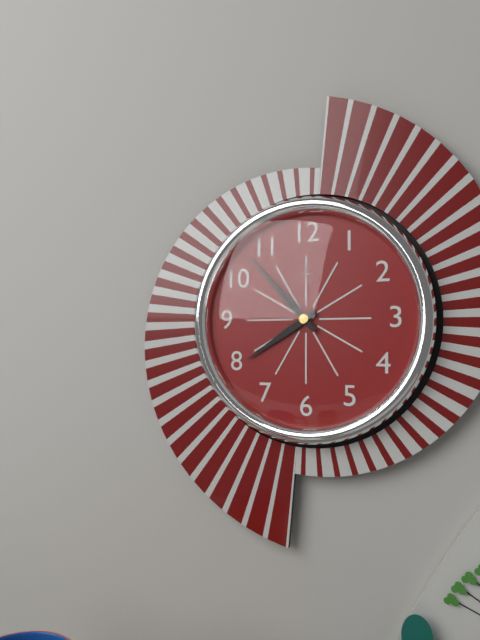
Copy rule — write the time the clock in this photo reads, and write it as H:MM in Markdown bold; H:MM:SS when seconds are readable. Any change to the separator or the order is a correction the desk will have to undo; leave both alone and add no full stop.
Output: **7:53**
